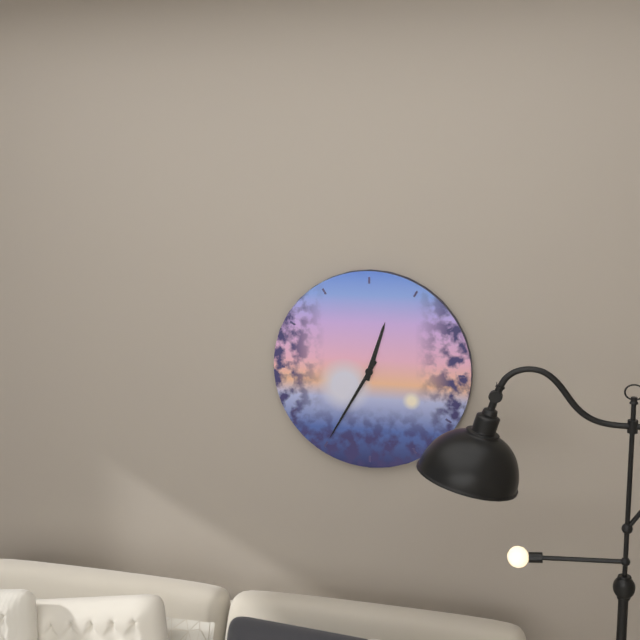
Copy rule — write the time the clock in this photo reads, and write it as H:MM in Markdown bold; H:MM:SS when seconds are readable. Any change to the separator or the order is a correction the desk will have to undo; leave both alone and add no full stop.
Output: **12:35**
